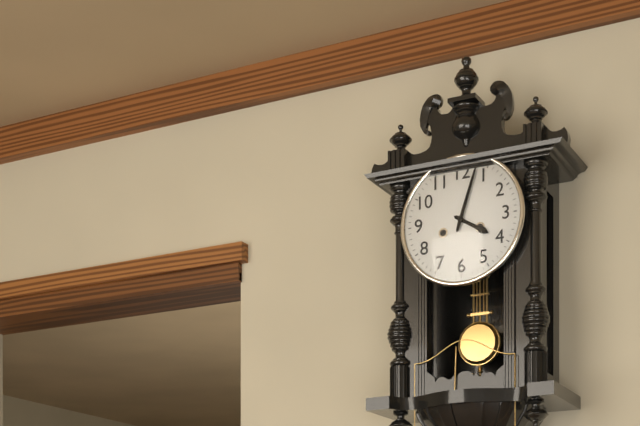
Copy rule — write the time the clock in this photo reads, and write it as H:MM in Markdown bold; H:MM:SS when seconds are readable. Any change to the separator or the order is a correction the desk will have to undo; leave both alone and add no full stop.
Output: **4:03**
